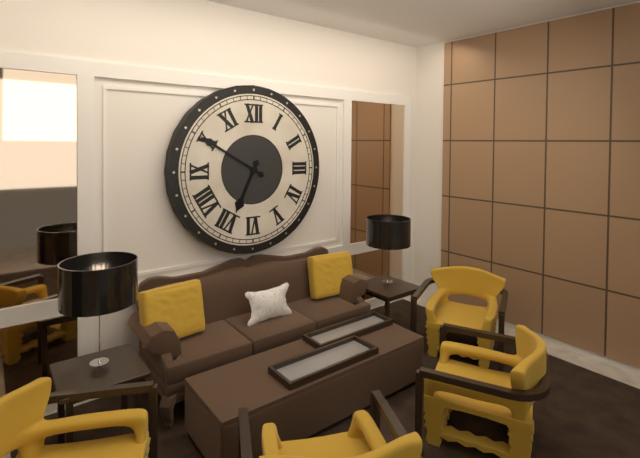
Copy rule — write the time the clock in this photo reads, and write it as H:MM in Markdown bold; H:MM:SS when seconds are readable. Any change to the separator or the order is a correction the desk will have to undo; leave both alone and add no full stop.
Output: **6:50**
